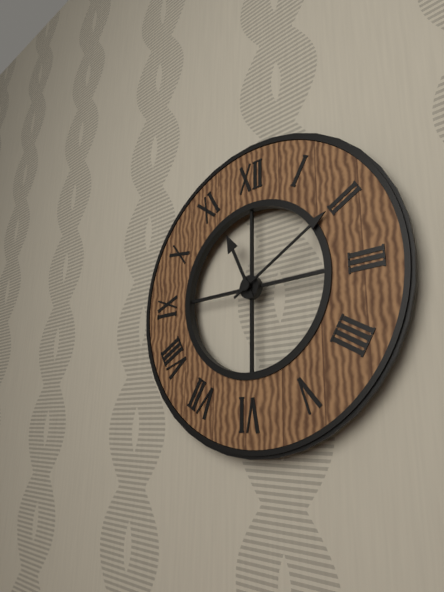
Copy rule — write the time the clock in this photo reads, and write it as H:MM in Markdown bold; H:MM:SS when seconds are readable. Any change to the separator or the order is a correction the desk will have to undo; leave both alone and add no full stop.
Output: **11:10**
